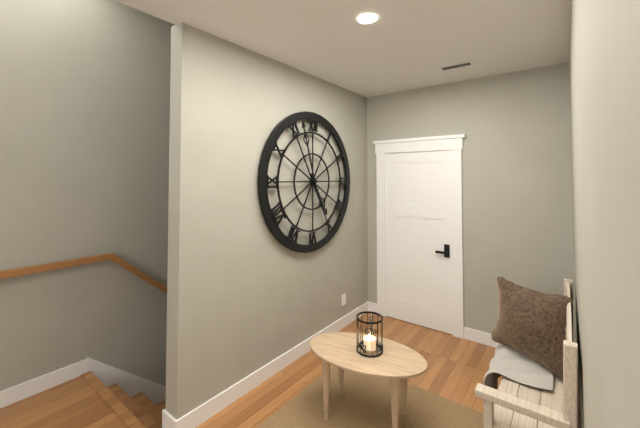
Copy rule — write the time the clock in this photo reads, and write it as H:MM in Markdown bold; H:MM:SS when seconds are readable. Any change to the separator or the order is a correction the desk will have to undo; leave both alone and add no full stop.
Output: **4:57**
